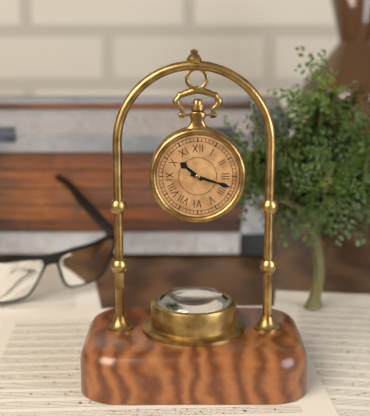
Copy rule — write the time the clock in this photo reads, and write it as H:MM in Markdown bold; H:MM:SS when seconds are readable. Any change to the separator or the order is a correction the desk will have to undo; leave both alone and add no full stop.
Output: **10:18**
